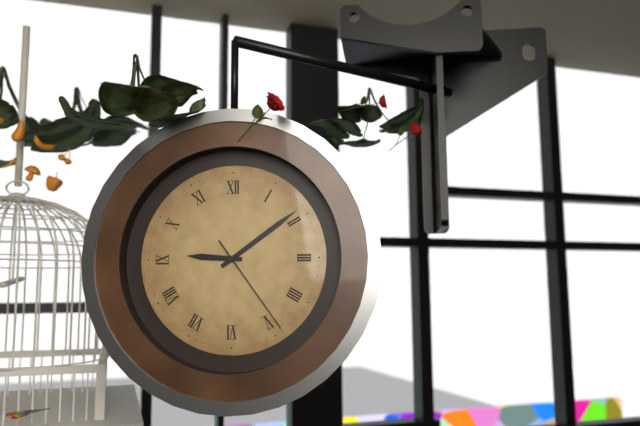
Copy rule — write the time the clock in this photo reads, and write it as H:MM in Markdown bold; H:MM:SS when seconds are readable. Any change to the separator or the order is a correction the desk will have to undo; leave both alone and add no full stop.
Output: **9:09:24**
